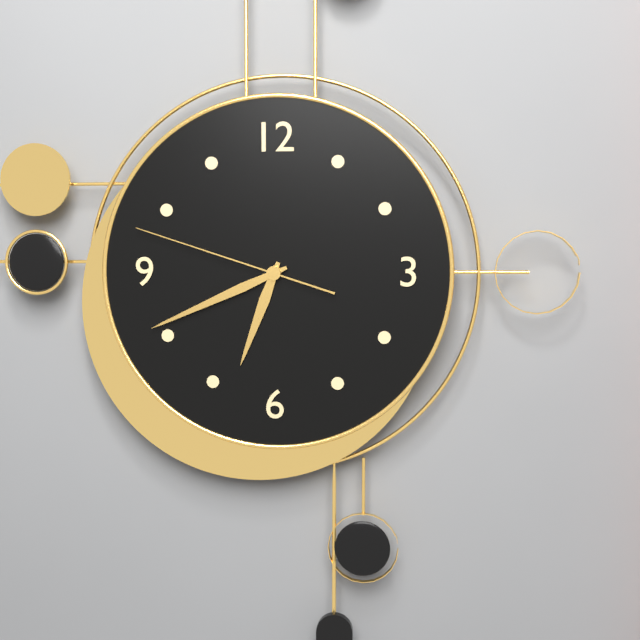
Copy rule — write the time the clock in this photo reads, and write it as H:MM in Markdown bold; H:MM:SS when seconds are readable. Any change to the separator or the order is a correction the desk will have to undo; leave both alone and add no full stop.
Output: **6:41:48**
